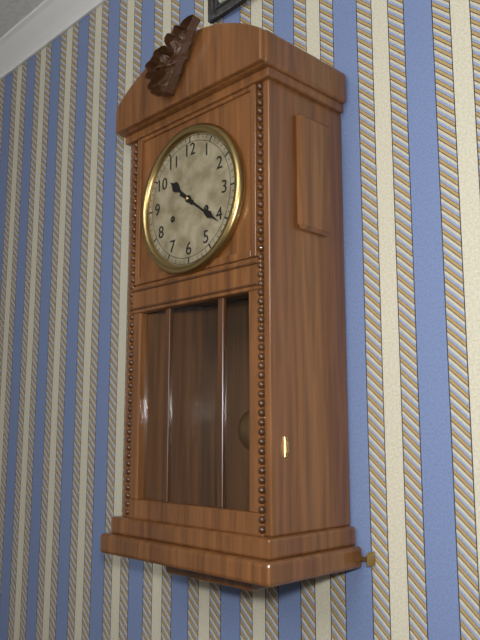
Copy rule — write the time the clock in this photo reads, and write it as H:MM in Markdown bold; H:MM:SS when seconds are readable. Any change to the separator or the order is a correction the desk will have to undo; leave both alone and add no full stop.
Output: **10:21**
